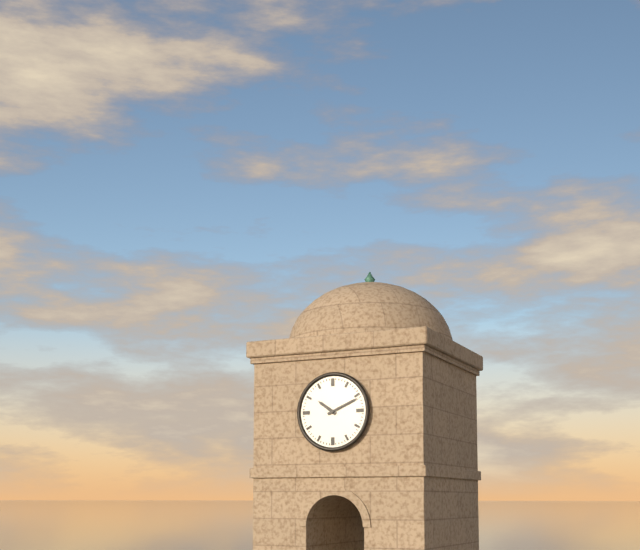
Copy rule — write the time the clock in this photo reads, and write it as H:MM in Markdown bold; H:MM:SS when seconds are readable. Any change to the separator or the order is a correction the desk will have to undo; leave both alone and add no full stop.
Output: **10:11**
